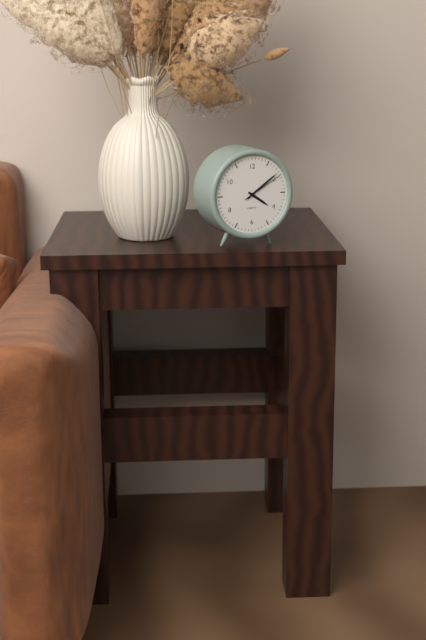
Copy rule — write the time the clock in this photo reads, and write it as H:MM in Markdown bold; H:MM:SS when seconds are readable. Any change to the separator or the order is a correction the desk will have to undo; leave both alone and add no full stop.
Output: **4:09**
